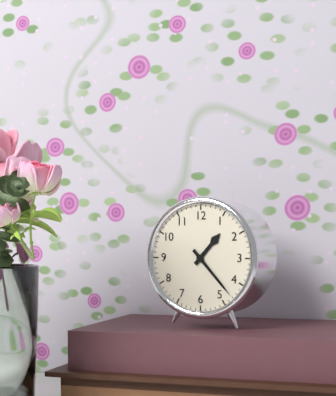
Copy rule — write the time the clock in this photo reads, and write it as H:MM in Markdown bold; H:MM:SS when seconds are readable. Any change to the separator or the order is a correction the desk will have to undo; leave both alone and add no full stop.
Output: **1:23**
